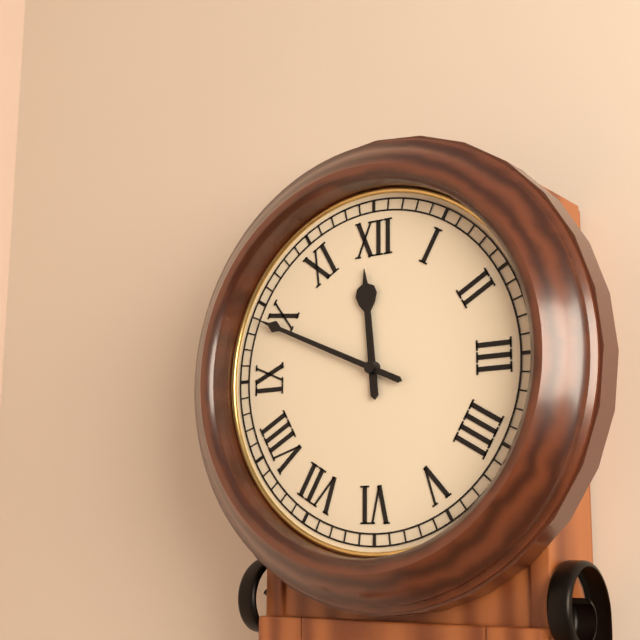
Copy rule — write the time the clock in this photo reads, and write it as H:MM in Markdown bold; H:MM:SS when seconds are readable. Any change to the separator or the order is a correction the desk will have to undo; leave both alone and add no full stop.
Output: **11:49**
